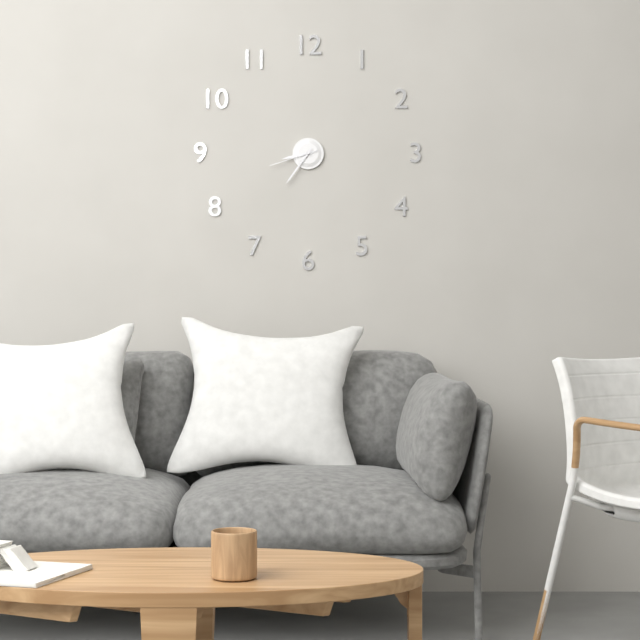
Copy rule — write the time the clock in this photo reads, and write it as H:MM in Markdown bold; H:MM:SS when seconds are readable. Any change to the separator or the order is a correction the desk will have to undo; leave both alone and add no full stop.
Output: **8:36:42**
